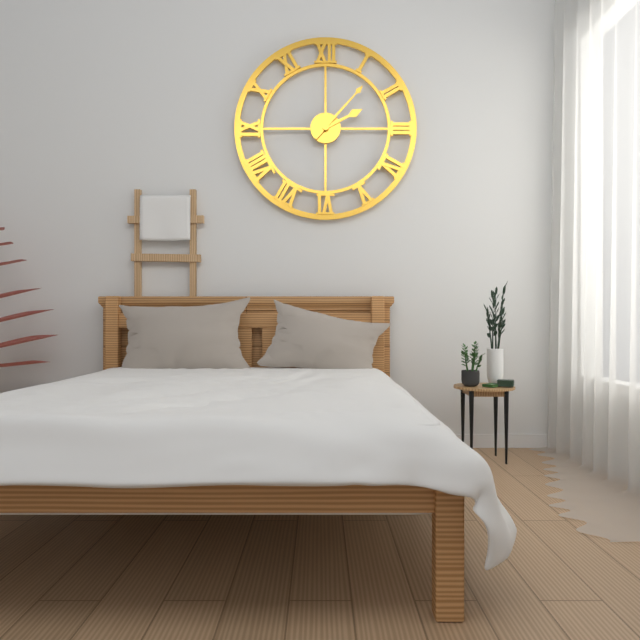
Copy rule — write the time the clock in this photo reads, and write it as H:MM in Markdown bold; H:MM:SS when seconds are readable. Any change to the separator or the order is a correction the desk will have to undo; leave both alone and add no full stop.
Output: **2:07**
